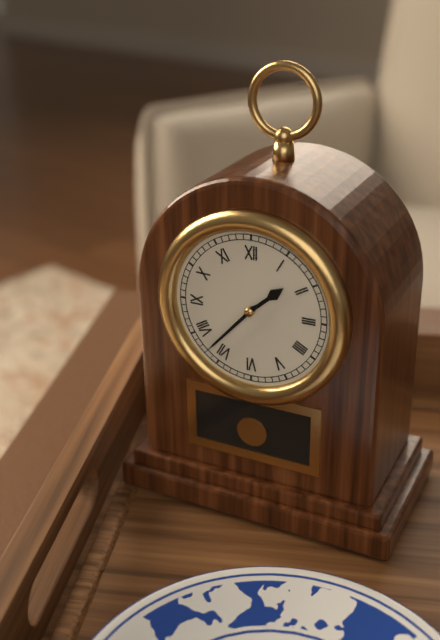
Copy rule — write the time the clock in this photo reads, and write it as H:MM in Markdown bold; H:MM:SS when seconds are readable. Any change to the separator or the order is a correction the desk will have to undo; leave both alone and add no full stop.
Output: **1:37**
